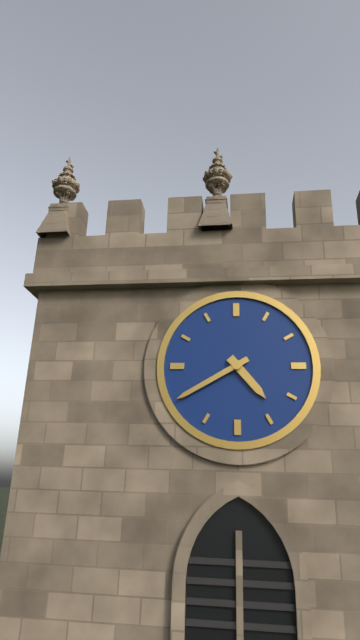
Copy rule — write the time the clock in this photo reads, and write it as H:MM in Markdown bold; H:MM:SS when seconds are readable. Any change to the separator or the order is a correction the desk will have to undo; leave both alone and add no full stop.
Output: **4:40**
